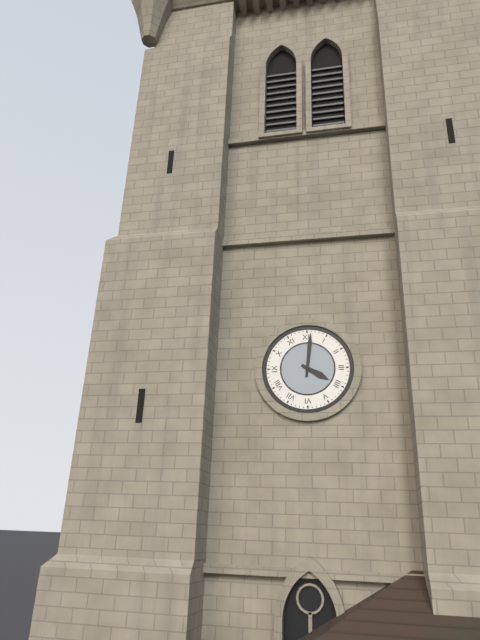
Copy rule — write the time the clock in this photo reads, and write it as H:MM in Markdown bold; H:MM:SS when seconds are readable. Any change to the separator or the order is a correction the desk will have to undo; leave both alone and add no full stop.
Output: **4:01**
